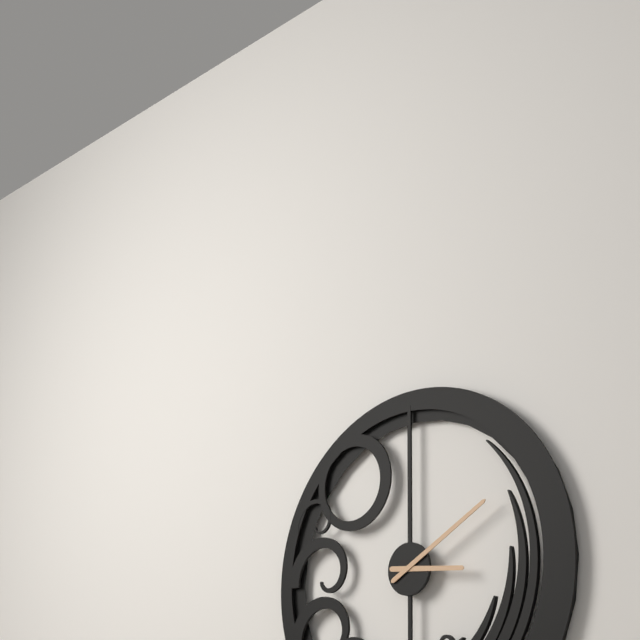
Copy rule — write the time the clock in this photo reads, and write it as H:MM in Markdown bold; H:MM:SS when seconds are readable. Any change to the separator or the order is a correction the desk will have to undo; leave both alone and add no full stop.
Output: **3:10**
